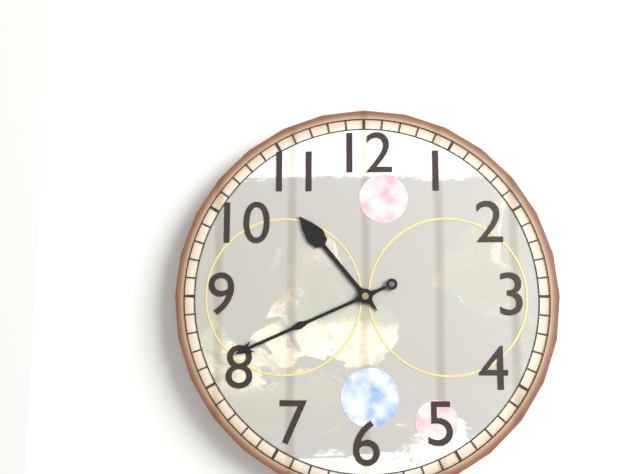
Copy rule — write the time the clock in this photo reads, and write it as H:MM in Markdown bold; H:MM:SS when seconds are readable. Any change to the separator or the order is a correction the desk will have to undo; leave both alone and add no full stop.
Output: **10:41**
